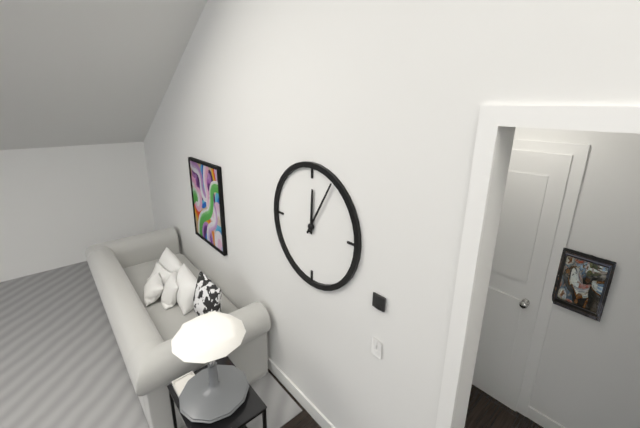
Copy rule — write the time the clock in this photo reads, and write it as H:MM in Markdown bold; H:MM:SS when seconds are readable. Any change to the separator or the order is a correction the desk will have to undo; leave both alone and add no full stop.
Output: **12:05**
